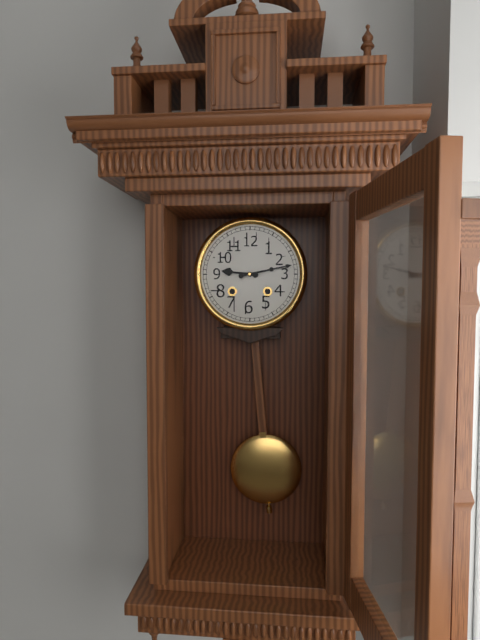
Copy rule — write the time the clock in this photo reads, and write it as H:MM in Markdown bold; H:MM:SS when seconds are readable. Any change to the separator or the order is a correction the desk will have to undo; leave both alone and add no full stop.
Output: **9:13**
